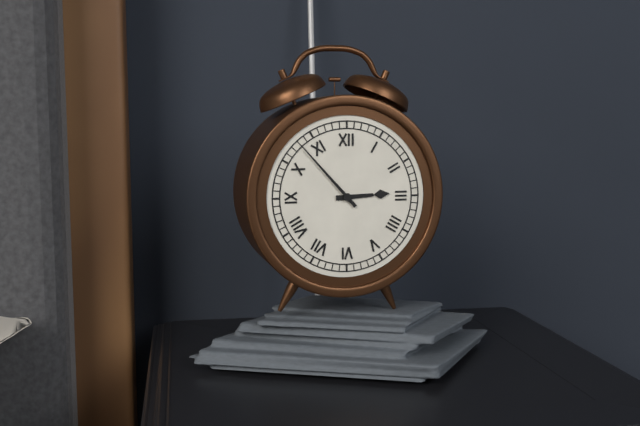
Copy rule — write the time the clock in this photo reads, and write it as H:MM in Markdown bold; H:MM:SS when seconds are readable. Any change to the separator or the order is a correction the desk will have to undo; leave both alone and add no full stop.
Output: **2:53**
